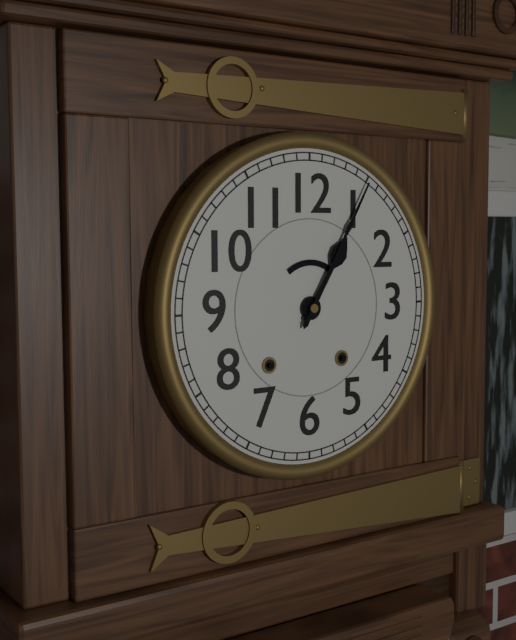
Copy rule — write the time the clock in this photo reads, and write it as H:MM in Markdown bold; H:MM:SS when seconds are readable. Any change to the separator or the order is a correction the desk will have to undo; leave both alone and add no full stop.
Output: **1:05**
